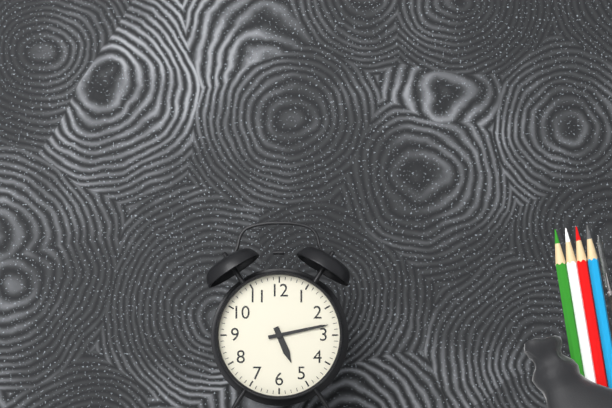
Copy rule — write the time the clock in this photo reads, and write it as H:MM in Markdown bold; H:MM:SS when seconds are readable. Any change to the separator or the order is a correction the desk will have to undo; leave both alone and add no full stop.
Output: **5:13**
